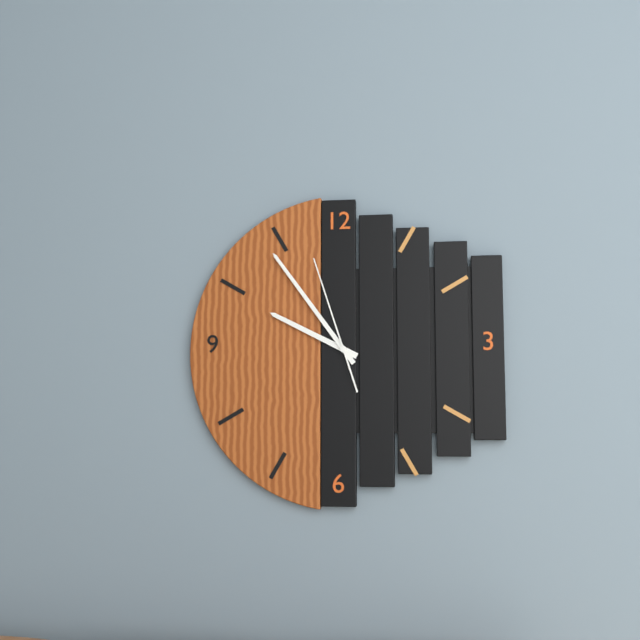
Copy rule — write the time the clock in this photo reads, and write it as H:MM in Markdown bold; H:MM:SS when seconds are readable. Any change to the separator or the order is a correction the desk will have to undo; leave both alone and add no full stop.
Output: **9:54:57**
